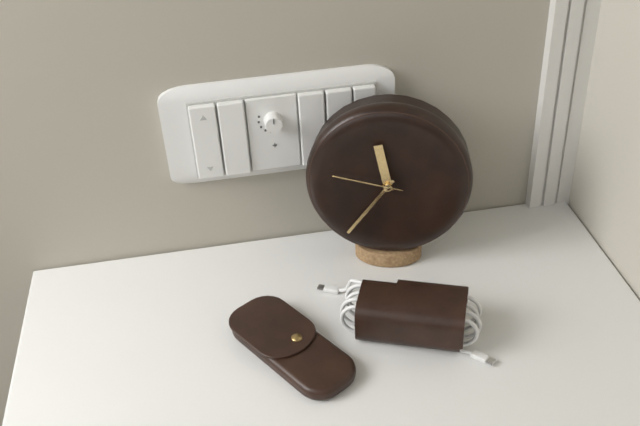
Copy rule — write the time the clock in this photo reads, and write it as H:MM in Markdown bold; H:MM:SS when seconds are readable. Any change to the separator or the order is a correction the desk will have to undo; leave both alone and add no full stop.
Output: **11:36:47**
